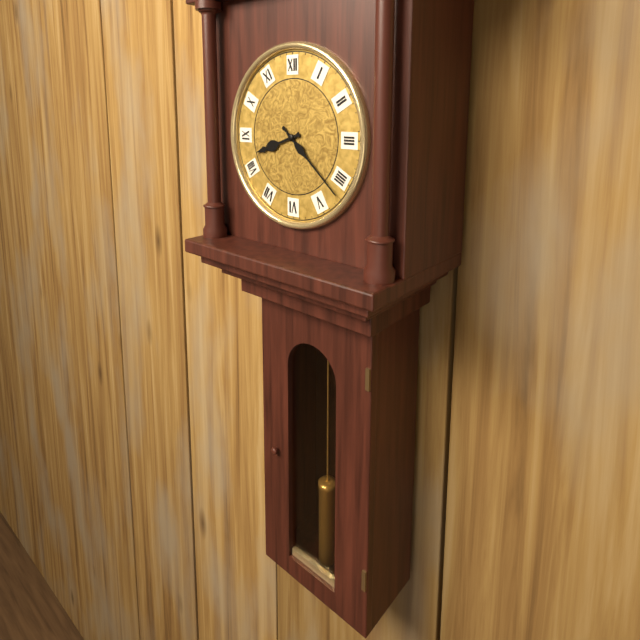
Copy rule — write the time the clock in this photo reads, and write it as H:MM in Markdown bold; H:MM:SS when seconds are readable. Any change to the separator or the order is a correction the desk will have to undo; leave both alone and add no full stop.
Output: **8:22**
